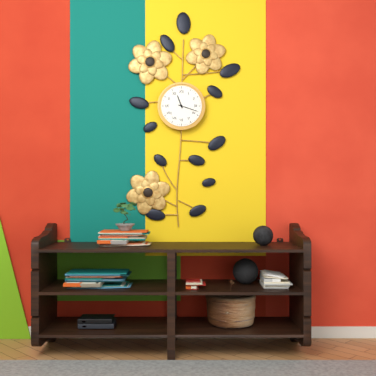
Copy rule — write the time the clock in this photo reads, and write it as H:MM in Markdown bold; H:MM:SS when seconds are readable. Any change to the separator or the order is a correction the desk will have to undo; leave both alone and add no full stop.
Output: **11:18**
